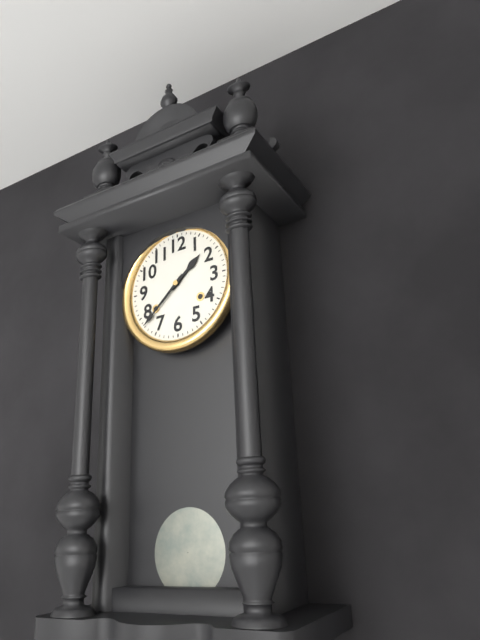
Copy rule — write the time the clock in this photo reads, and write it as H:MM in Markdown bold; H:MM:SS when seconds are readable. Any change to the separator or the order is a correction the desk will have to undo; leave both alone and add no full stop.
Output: **1:38**
